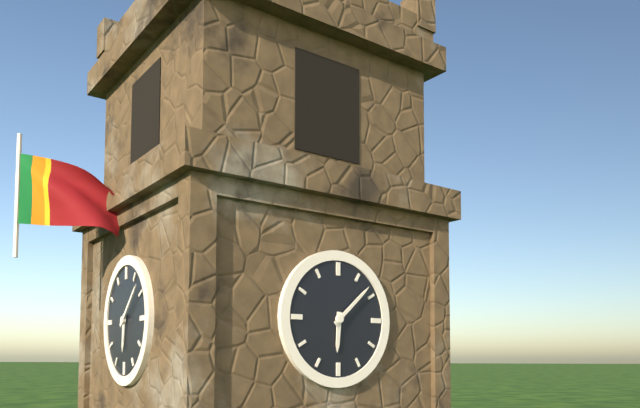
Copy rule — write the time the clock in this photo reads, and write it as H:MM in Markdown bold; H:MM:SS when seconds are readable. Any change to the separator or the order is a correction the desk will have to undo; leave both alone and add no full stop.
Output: **6:08**
